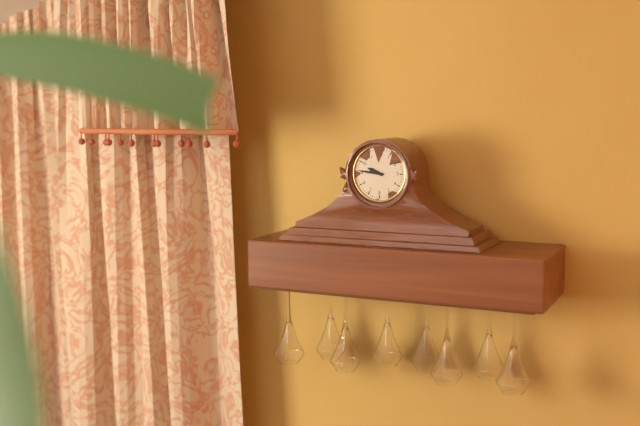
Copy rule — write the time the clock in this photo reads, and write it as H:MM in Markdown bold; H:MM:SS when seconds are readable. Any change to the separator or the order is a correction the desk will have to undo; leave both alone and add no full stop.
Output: **9:46**
